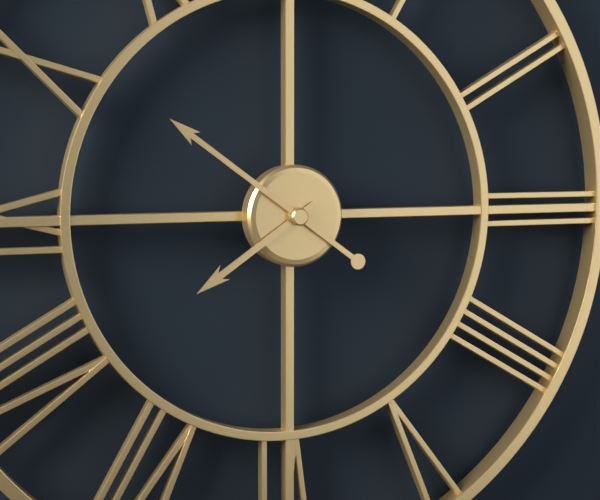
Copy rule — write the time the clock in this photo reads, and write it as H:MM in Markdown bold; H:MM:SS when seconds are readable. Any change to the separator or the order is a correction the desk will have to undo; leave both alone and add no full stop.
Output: **7:51**
